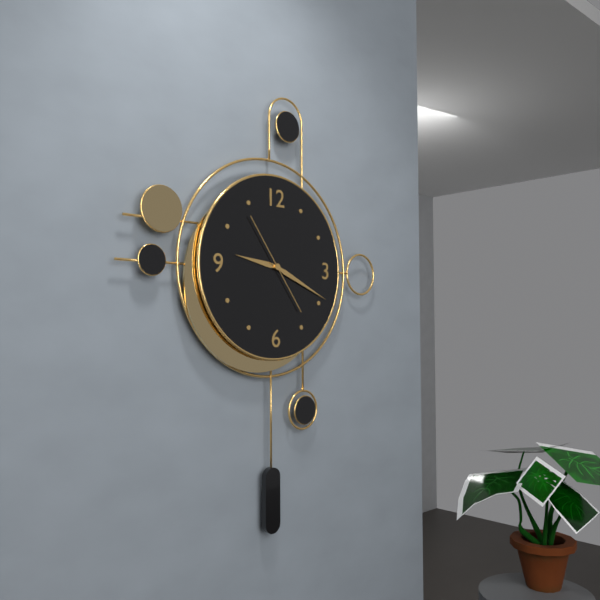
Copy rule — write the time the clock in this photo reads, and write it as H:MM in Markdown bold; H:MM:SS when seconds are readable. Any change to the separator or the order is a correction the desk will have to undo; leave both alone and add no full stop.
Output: **9:19:54**
